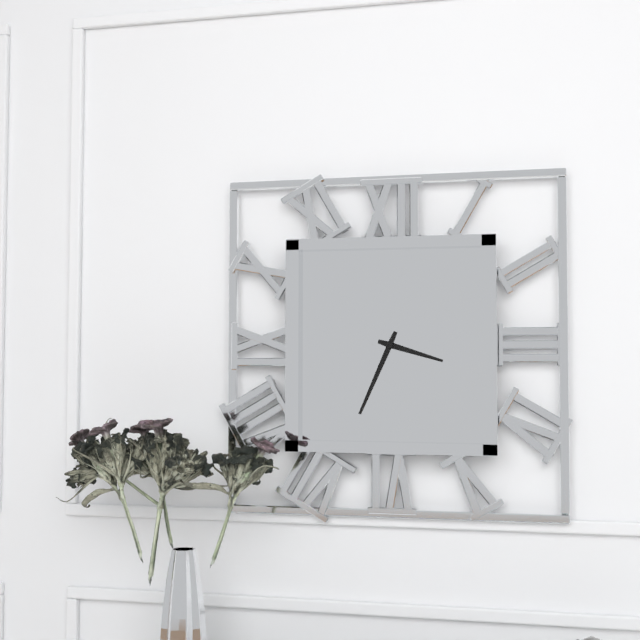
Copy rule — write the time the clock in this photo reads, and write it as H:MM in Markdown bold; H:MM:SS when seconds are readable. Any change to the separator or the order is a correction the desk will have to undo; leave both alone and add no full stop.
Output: **3:34**
